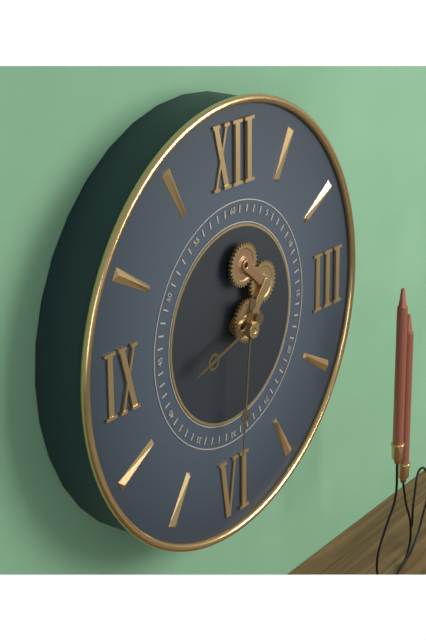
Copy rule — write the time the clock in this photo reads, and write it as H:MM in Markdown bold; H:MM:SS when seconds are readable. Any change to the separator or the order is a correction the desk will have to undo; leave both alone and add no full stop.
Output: **8:31**
